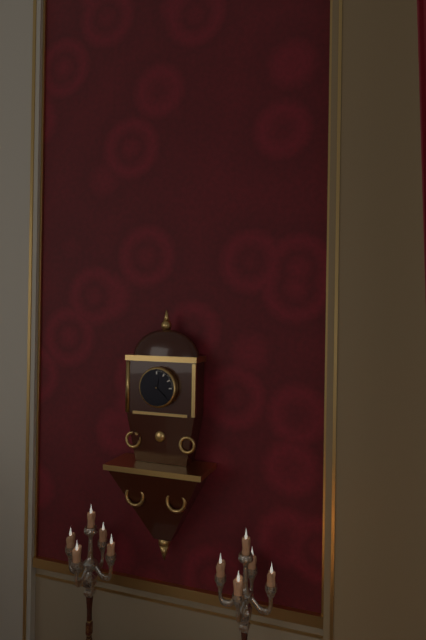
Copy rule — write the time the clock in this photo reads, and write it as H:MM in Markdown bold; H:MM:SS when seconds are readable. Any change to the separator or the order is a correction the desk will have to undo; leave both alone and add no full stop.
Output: **12:22**
